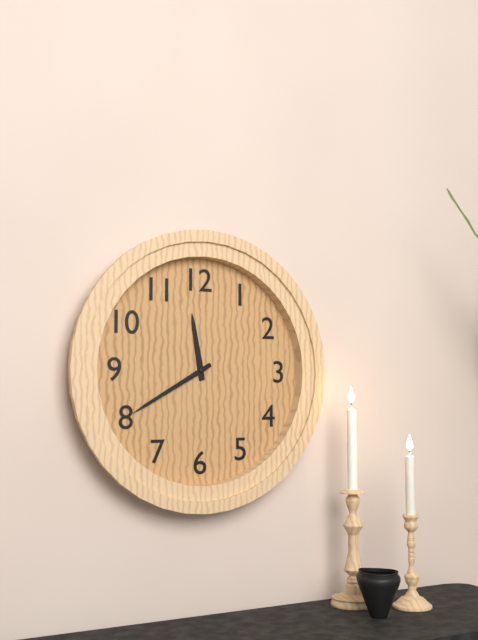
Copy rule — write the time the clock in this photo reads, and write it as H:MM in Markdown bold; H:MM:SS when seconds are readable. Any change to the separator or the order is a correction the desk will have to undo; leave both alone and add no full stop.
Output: **11:40**
